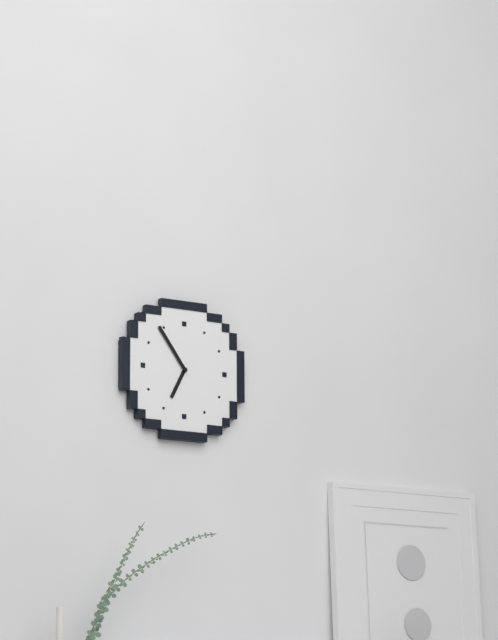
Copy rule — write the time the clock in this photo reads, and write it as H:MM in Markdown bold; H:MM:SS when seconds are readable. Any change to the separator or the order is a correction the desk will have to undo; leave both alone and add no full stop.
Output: **6:54**
